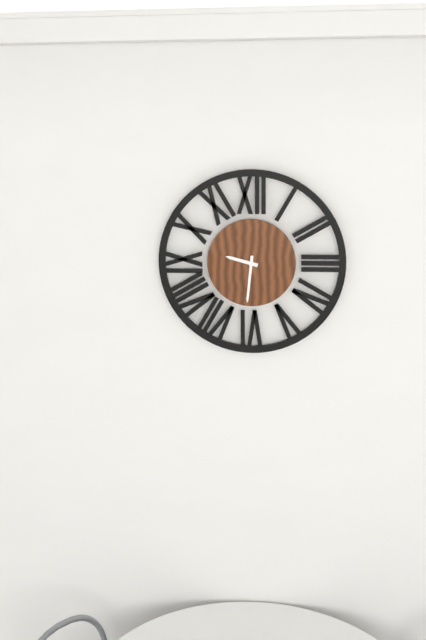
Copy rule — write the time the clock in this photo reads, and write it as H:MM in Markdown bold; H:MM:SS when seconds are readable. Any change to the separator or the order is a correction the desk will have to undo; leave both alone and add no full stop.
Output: **9:31**
